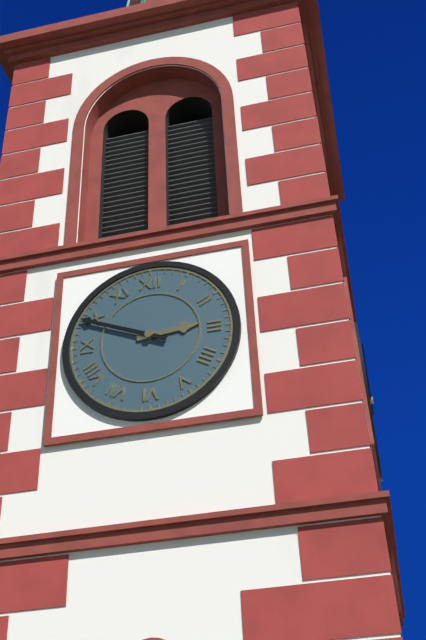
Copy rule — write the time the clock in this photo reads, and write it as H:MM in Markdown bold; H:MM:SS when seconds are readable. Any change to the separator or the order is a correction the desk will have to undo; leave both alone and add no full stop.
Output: **2:49**
